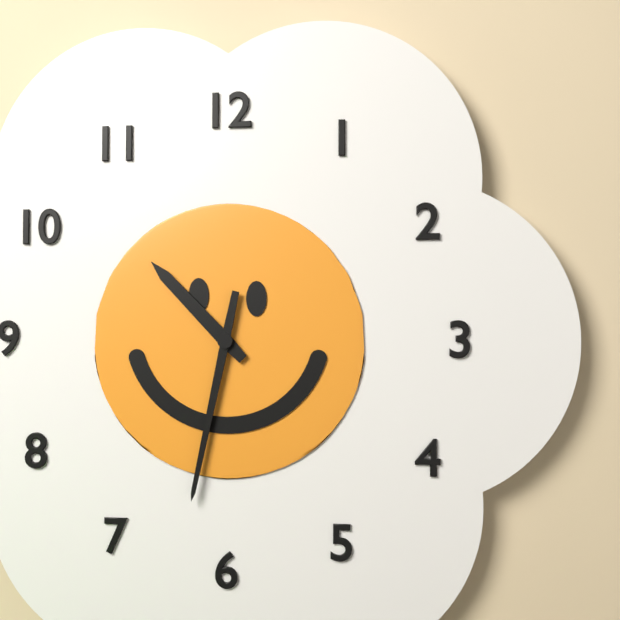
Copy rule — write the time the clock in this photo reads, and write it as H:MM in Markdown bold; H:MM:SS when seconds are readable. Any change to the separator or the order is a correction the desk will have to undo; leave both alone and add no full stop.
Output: **10:32**
